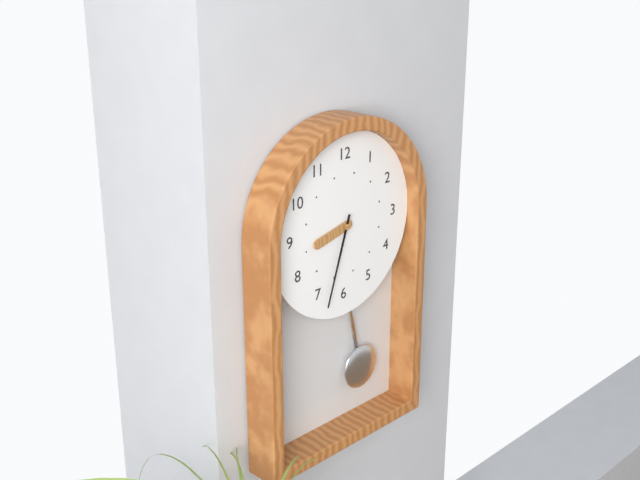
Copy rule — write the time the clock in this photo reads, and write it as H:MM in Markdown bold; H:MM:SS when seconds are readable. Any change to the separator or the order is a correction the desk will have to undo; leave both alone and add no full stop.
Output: **8:33**
